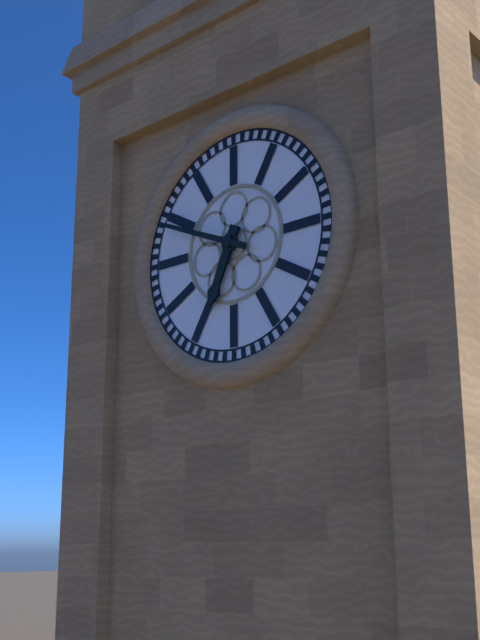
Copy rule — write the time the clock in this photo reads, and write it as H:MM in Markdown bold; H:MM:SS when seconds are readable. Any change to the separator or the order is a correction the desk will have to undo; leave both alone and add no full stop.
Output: **6:49**
